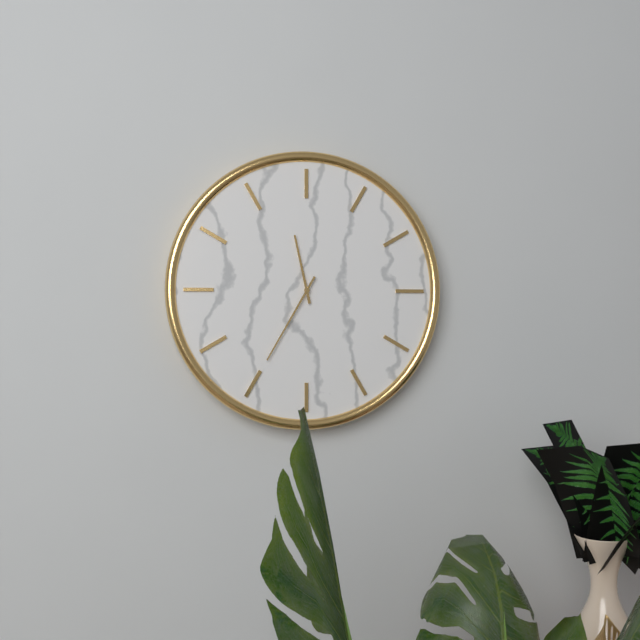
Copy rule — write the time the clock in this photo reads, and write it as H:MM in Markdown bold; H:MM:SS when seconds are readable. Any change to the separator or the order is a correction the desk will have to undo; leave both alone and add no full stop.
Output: **11:35**
